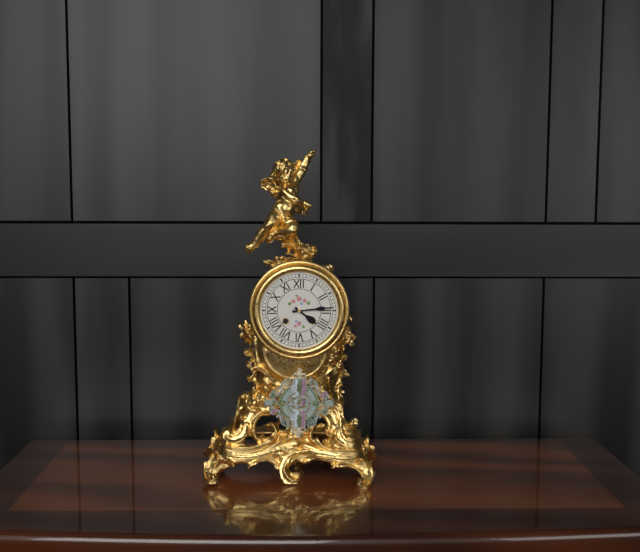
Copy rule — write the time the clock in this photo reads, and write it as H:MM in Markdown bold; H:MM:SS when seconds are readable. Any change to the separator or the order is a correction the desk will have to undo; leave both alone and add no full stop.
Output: **4:14**
